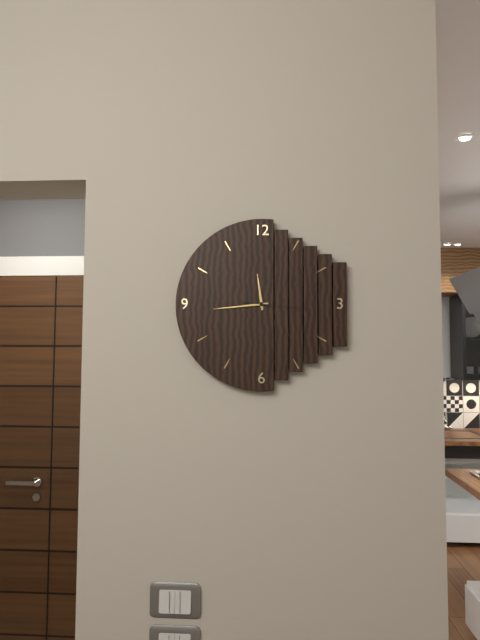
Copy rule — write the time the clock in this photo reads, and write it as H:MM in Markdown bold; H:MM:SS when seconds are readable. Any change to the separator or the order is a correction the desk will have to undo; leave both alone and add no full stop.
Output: **11:44:16**
